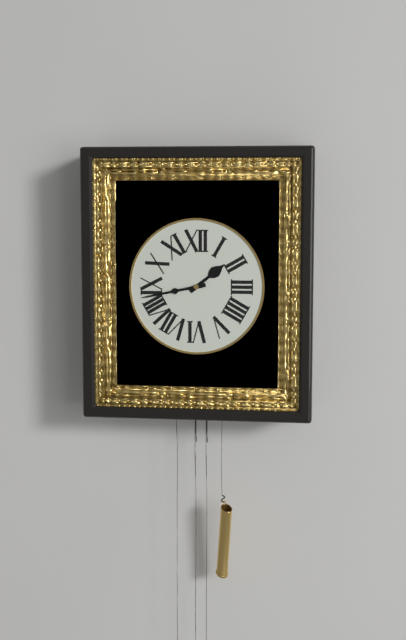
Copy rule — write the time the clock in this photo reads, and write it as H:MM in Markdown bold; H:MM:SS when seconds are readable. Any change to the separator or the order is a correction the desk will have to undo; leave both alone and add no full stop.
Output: **1:43**
